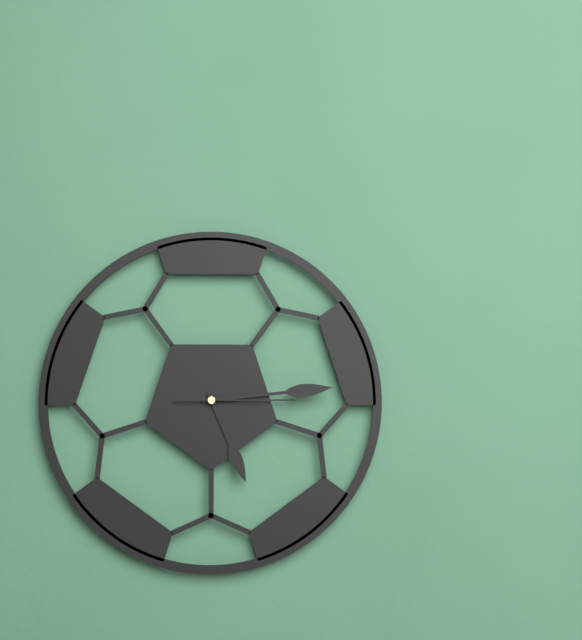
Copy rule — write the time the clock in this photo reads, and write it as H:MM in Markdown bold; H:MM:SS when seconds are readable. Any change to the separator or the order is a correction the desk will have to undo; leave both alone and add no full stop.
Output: **5:14:15**
